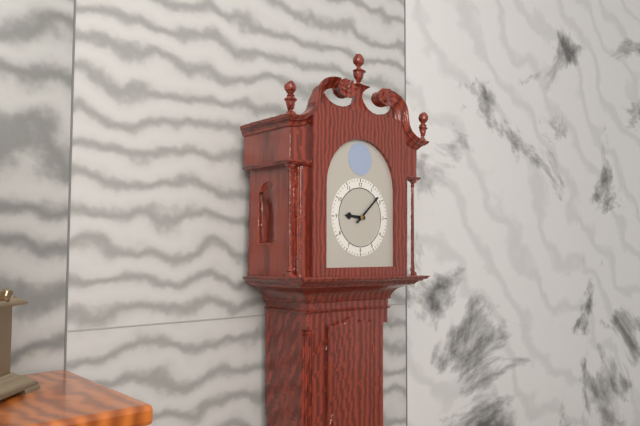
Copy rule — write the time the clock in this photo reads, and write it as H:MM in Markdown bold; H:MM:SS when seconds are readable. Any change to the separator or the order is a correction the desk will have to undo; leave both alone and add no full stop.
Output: **9:08**
